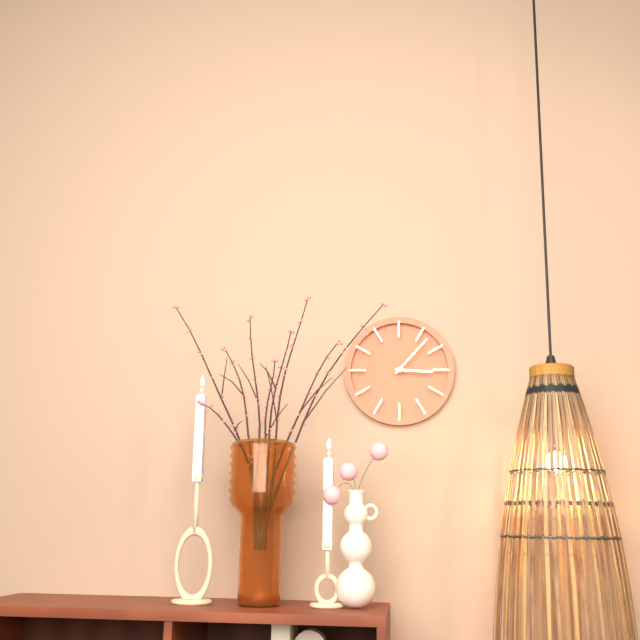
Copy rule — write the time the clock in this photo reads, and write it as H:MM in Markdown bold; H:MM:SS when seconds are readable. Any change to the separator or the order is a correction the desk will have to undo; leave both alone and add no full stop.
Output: **3:07**
